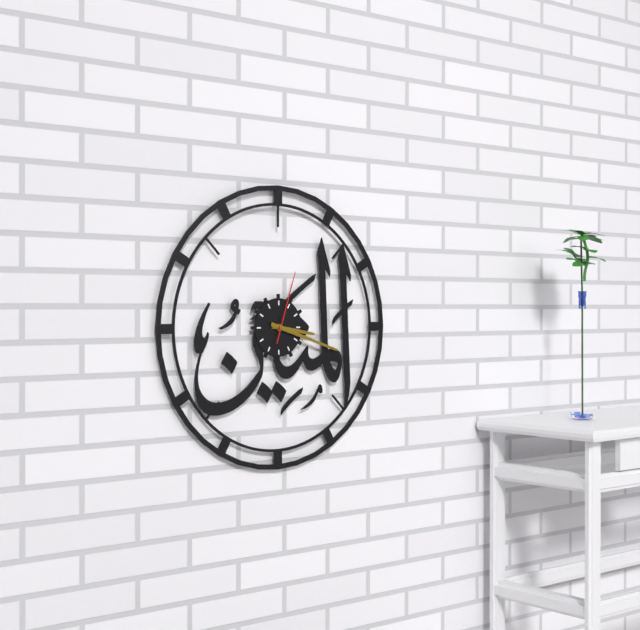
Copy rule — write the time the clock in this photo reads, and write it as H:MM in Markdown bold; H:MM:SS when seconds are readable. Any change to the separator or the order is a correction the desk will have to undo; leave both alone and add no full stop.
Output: **3:18:03**
